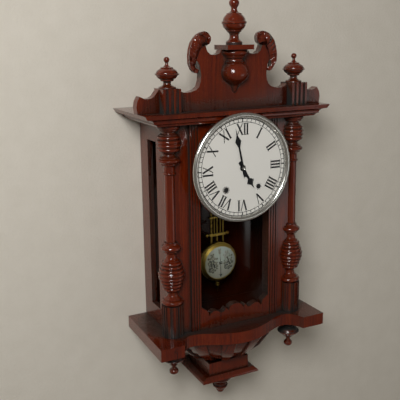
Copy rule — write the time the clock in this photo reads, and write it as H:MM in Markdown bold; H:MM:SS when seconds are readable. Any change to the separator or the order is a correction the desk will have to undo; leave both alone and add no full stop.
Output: **4:58**
